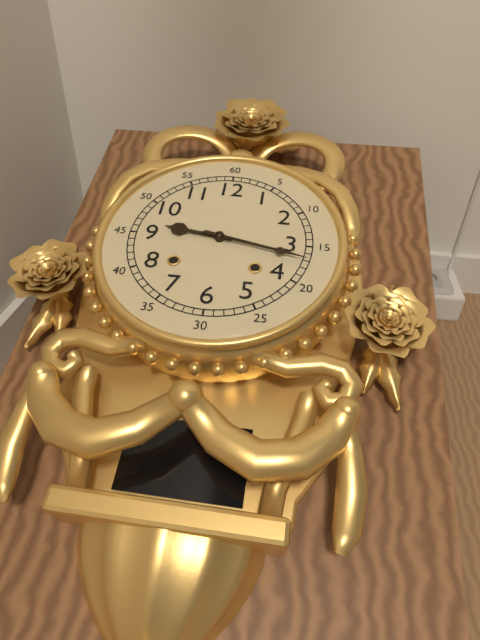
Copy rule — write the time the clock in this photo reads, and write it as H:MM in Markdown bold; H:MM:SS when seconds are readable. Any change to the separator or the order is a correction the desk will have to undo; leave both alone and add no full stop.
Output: **9:17**
